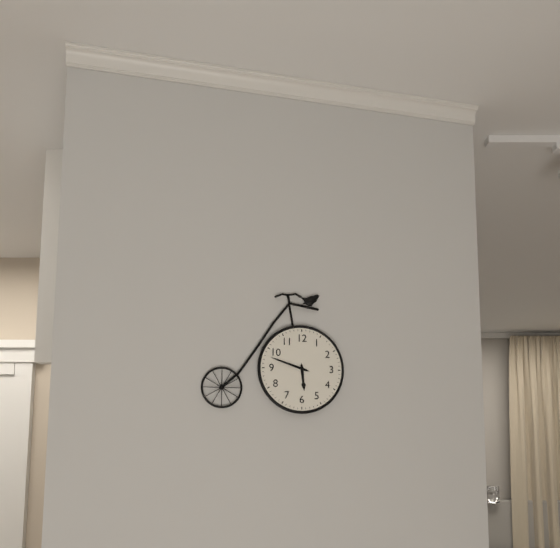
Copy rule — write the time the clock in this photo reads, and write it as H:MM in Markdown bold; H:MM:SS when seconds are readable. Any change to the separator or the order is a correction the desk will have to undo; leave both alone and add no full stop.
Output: **5:48**
